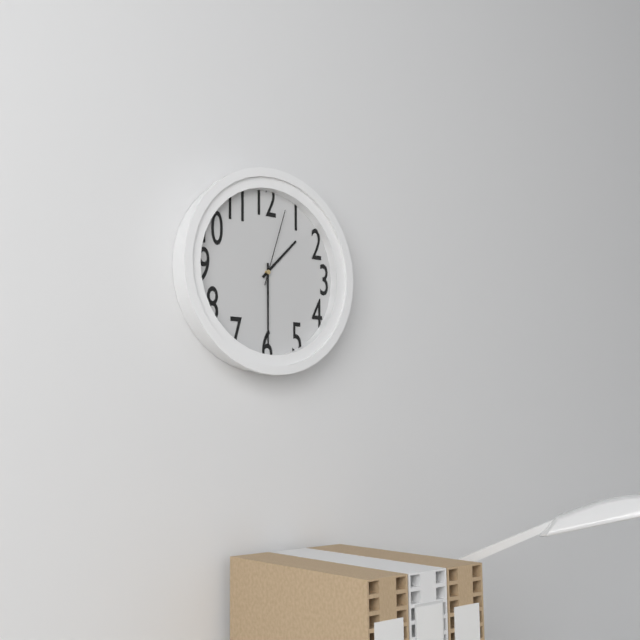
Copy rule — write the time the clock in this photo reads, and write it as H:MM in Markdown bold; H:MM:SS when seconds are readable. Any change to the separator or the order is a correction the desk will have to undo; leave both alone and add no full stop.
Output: **1:30:03**
